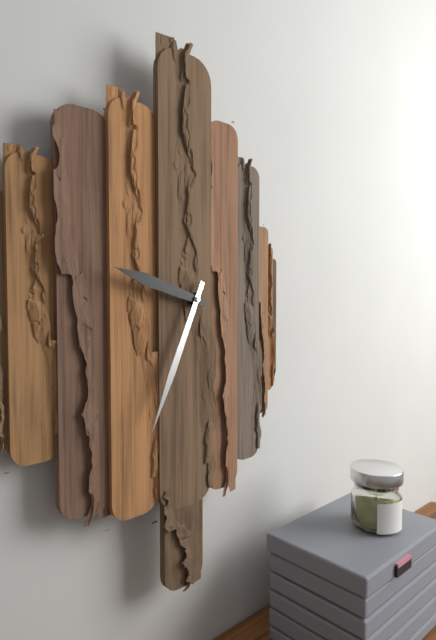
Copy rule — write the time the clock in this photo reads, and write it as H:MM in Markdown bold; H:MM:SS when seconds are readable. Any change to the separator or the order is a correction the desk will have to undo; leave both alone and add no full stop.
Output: **9:34**
